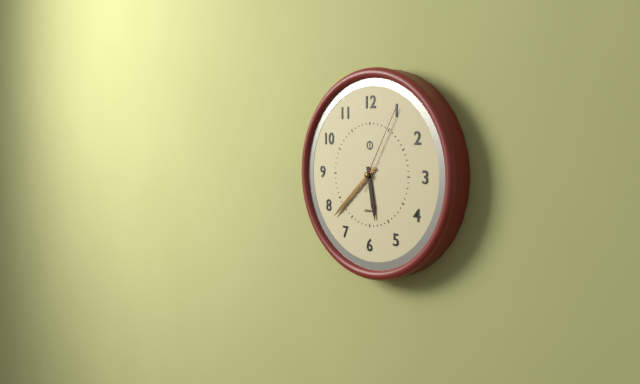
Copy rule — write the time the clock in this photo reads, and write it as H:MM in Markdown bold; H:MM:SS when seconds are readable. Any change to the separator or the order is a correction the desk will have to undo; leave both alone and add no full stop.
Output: **5:38:05**
